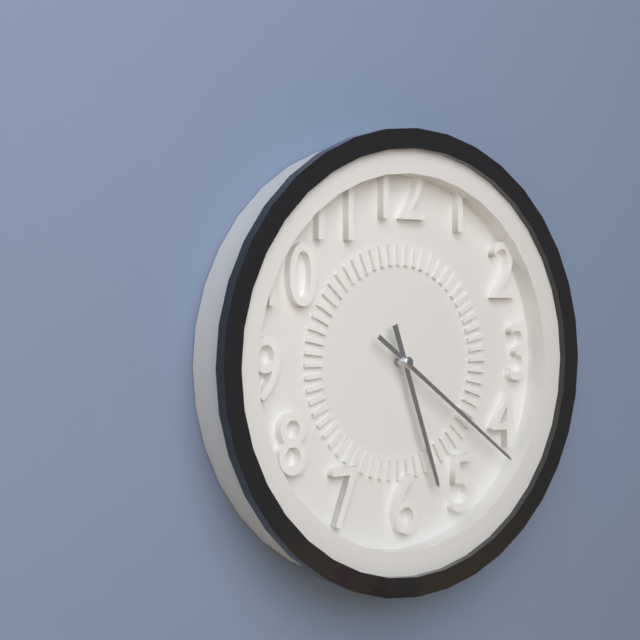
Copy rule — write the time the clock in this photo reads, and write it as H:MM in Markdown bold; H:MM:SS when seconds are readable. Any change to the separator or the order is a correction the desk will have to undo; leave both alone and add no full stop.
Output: **5:21**
